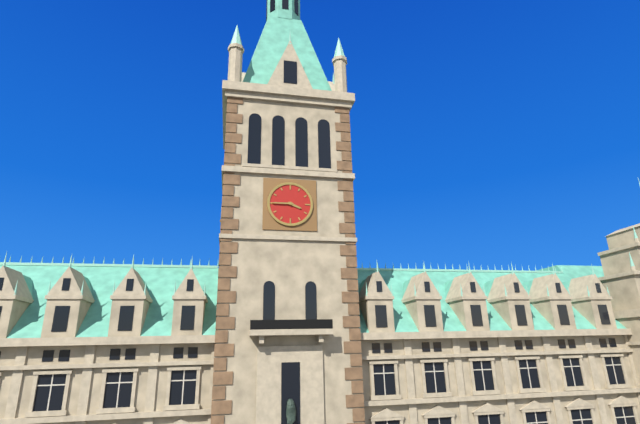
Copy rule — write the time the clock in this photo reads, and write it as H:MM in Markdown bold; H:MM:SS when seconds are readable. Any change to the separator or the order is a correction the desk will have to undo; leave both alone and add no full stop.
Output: **3:45**
